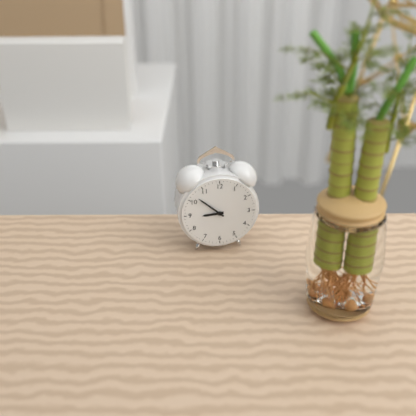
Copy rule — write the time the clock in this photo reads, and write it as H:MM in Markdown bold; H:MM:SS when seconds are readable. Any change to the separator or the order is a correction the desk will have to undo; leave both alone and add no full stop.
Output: **8:52**
